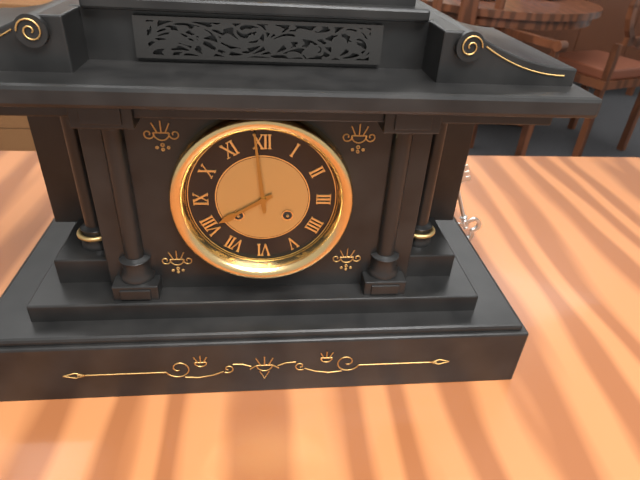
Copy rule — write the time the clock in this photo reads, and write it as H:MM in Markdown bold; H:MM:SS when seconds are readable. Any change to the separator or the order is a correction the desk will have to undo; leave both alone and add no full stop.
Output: **7:59**
